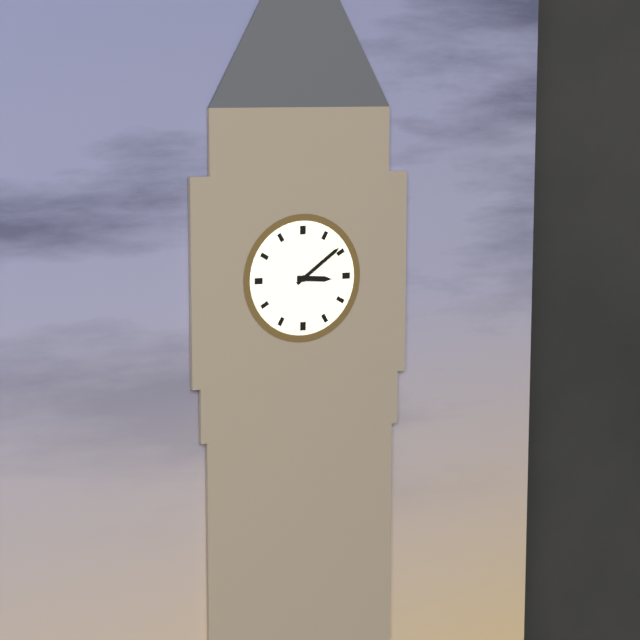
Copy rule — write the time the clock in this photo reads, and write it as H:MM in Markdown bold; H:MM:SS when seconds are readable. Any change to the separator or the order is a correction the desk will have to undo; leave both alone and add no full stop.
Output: **3:09**
